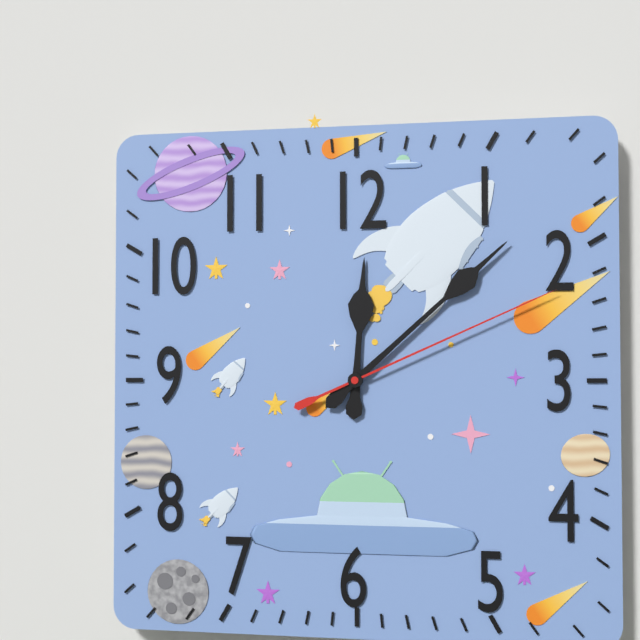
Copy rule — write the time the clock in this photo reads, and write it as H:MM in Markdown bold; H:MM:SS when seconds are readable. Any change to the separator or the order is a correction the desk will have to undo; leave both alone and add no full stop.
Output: **12:08:11**
